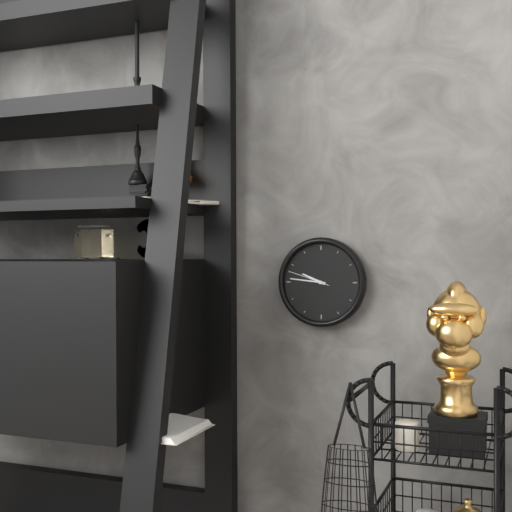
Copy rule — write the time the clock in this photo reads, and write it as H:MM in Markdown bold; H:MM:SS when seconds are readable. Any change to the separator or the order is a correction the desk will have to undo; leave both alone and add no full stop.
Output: **9:46**
